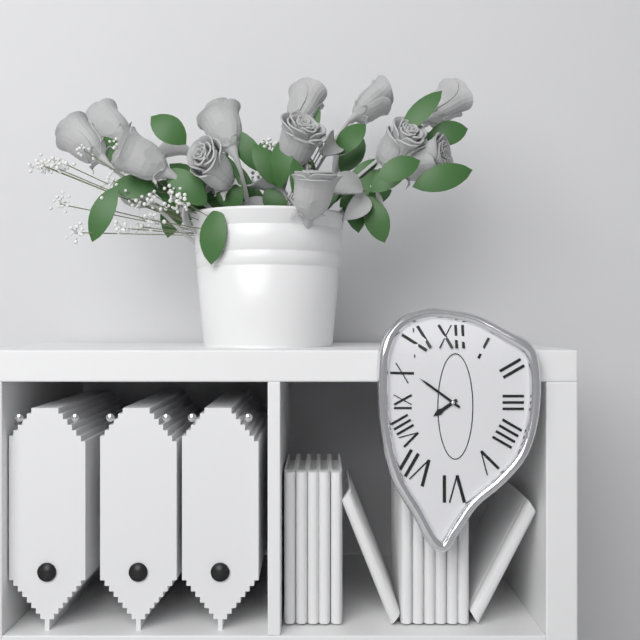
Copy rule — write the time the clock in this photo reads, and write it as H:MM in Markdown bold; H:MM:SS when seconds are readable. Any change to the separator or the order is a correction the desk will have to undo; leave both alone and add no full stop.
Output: **7:51**
